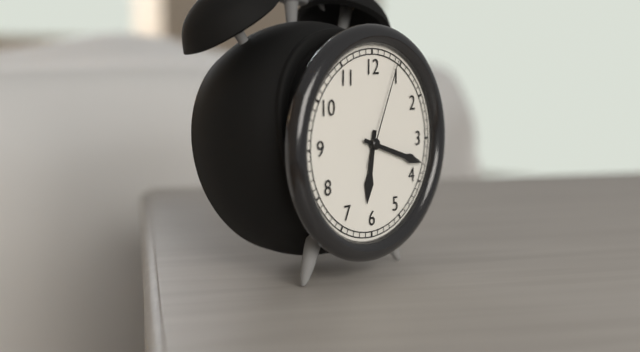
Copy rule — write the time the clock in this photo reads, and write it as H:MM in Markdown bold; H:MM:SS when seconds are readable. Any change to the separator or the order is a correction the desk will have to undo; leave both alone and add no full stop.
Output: **6:18:04**
